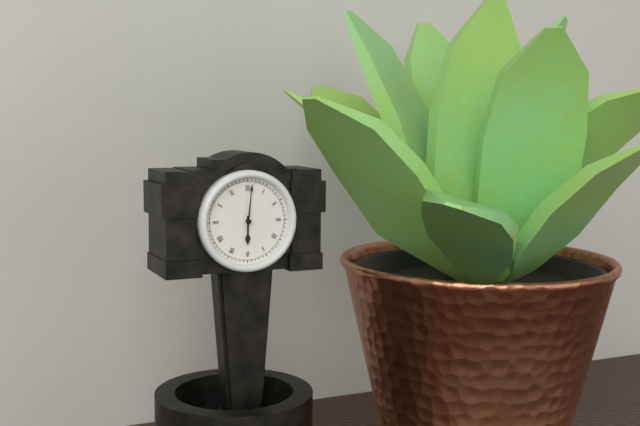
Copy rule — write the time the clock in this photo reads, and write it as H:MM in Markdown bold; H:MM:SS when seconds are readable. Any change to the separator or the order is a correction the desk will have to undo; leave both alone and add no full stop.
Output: **6:01**
